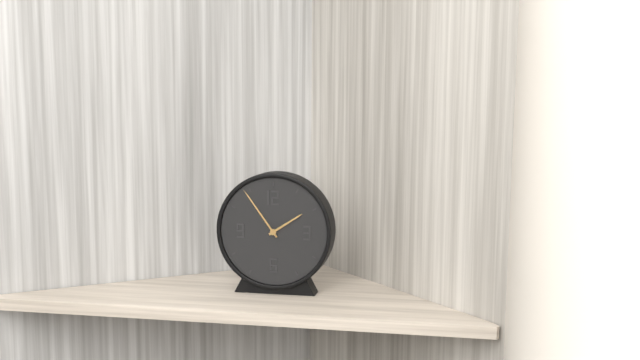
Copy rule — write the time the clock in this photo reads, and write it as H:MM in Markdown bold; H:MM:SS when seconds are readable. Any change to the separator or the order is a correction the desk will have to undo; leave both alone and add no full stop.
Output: **1:54**
